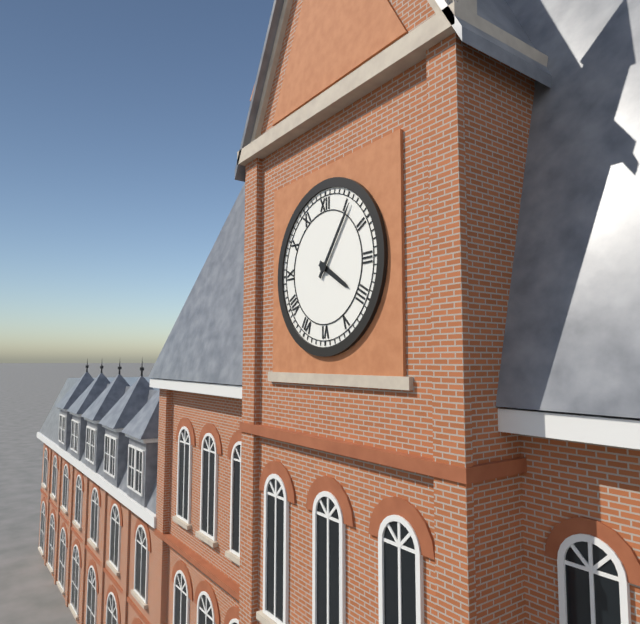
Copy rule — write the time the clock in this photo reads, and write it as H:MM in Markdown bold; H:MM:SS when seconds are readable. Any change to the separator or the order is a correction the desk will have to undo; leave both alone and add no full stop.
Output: **4:06**
